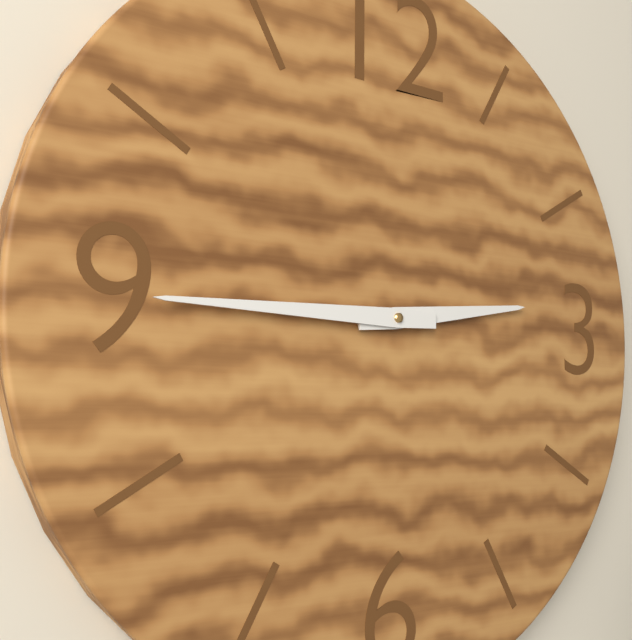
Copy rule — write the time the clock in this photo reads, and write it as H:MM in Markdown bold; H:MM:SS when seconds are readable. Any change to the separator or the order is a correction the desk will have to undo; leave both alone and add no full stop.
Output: **2:45**
